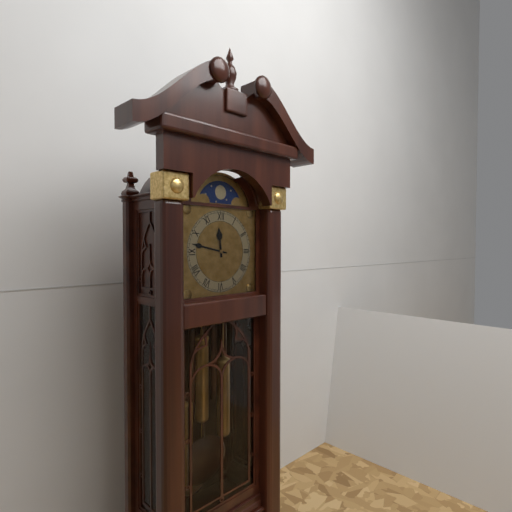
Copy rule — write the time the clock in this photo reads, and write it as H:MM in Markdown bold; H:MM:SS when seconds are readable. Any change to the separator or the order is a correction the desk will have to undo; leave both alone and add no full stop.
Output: **11:47**
